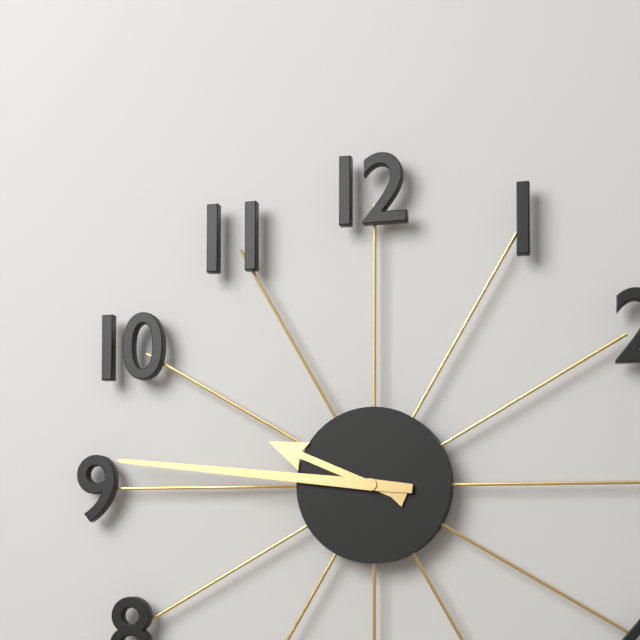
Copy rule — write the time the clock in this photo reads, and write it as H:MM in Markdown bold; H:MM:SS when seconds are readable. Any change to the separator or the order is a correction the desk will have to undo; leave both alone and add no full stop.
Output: **9:46**
